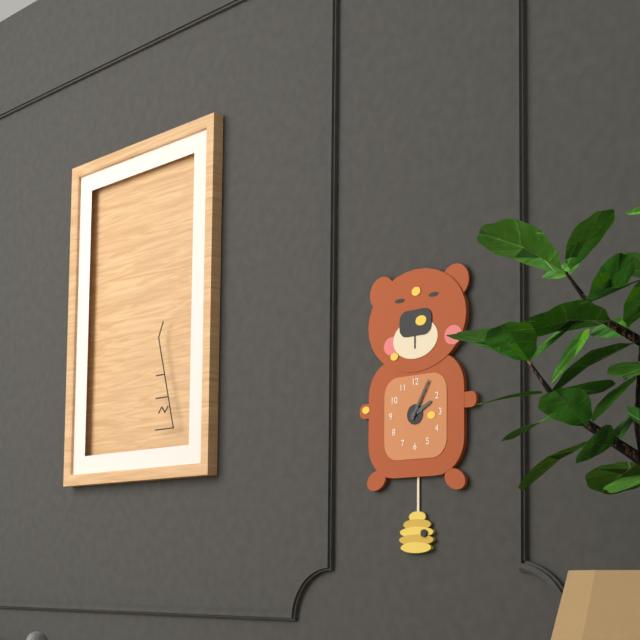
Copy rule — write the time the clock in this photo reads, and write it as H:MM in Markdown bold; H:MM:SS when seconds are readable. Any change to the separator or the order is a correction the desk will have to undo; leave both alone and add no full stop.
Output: **2:05**
